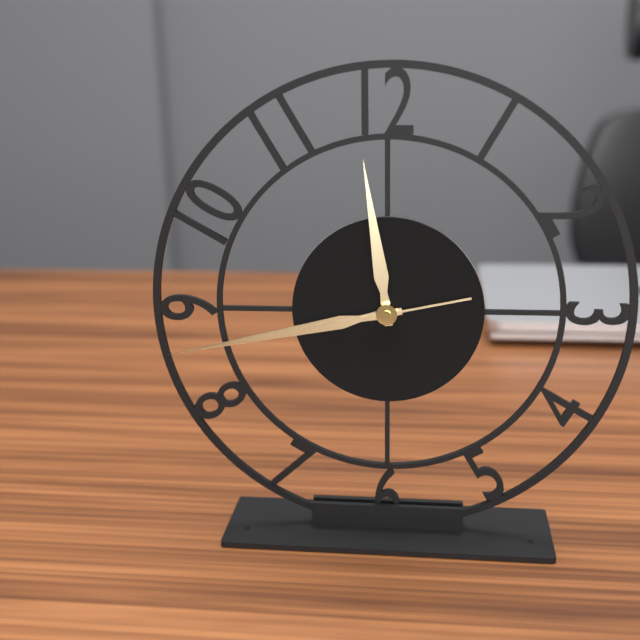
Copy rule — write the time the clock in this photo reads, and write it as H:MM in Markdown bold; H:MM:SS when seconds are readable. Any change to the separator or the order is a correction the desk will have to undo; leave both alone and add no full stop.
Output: **11:43:43**
